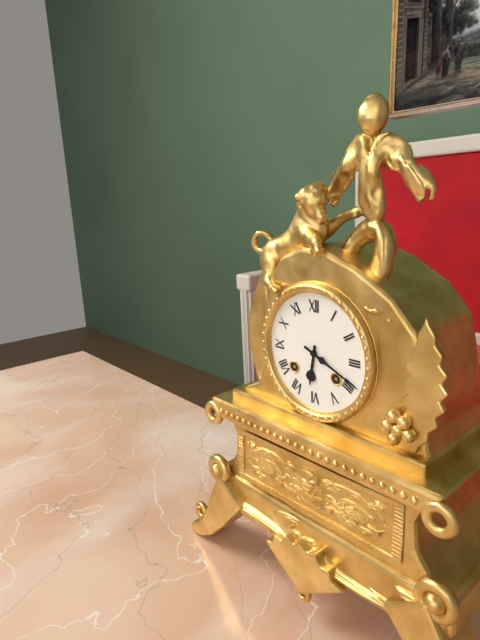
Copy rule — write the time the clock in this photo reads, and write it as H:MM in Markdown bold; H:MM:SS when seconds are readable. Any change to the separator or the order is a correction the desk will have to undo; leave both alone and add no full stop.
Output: **6:19**
